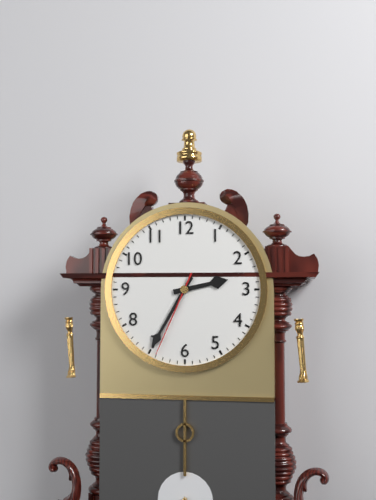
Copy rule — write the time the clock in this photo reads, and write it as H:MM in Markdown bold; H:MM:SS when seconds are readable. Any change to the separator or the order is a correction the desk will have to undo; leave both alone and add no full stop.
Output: **2:35:34**
